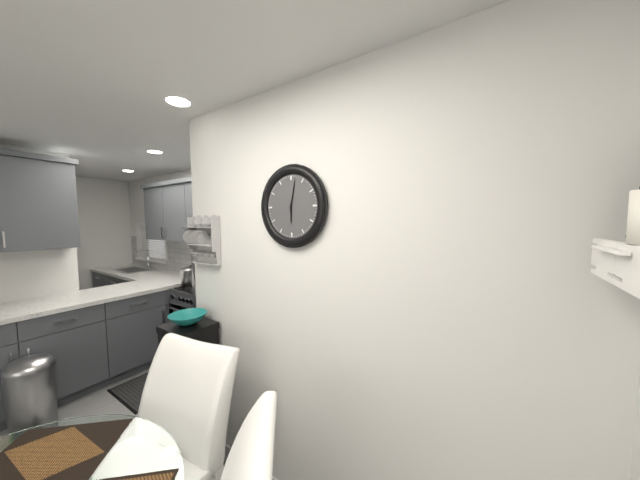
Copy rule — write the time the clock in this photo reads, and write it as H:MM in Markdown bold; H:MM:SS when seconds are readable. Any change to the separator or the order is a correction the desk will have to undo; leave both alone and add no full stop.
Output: **6:02**
